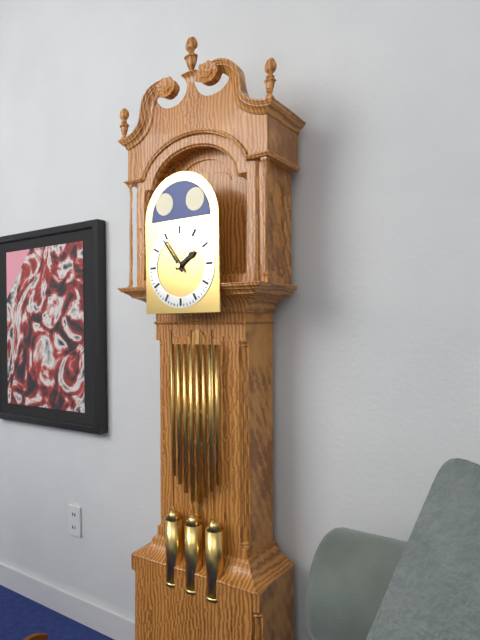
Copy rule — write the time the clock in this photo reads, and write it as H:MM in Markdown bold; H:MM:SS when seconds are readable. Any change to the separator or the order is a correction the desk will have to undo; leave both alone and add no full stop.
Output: **1:54**
